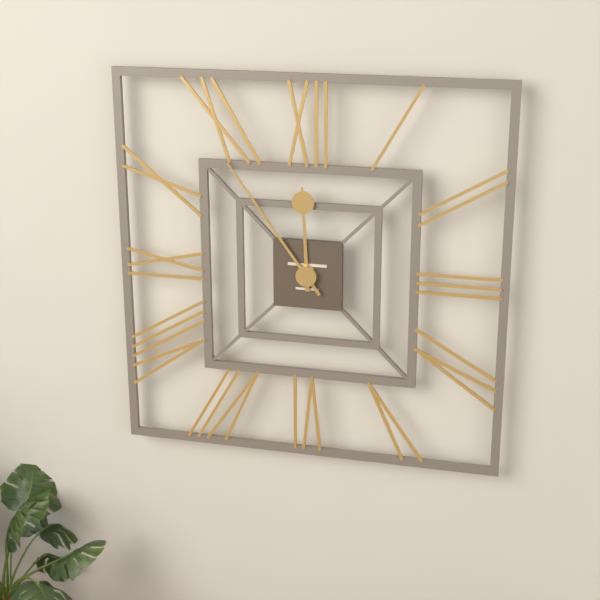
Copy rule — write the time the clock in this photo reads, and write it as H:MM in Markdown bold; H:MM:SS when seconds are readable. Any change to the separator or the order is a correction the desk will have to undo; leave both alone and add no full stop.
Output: **11:54**
